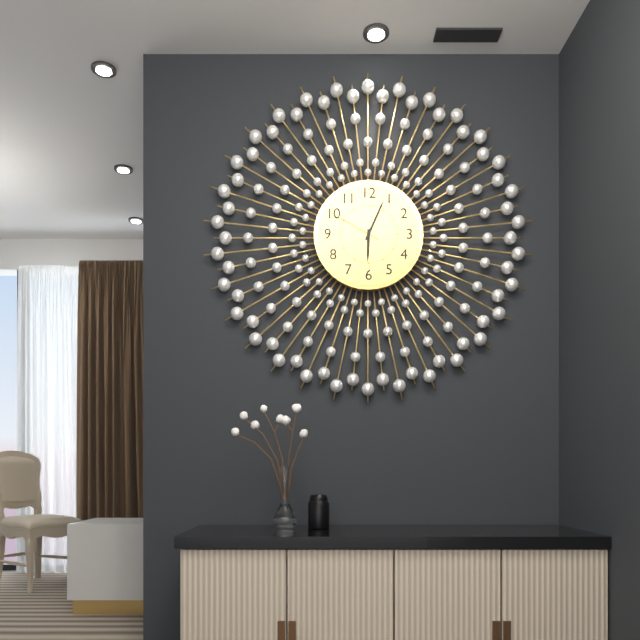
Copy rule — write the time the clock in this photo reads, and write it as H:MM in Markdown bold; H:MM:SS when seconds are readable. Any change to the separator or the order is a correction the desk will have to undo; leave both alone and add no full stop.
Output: **6:04:50**
